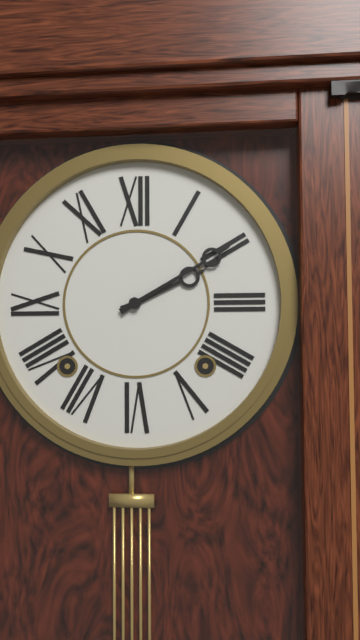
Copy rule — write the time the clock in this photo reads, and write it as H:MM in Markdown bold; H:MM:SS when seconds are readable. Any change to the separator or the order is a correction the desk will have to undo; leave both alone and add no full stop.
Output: **2:10**
